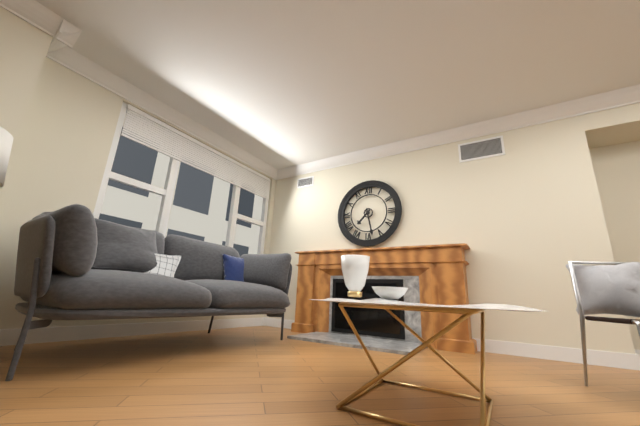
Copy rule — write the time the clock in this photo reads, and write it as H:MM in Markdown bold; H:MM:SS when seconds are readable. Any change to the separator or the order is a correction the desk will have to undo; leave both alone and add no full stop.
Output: **7:28**
